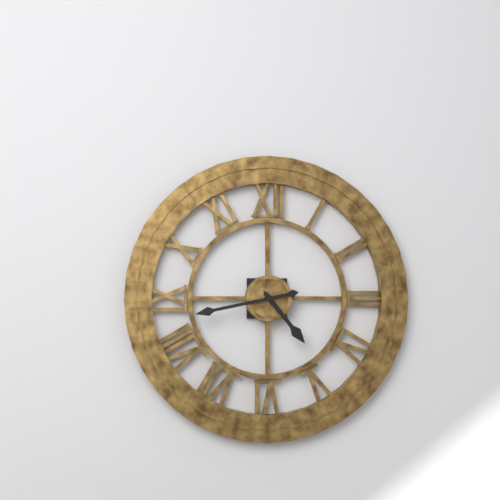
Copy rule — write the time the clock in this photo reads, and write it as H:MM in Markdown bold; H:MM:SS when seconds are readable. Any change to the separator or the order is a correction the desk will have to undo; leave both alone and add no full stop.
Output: **4:43**
